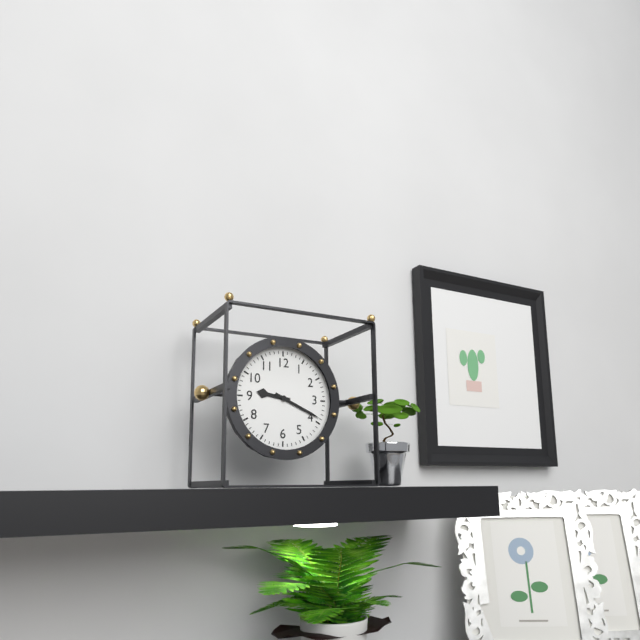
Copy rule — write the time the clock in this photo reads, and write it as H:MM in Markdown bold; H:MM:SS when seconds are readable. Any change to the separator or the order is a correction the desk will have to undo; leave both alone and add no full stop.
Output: **9:19**
